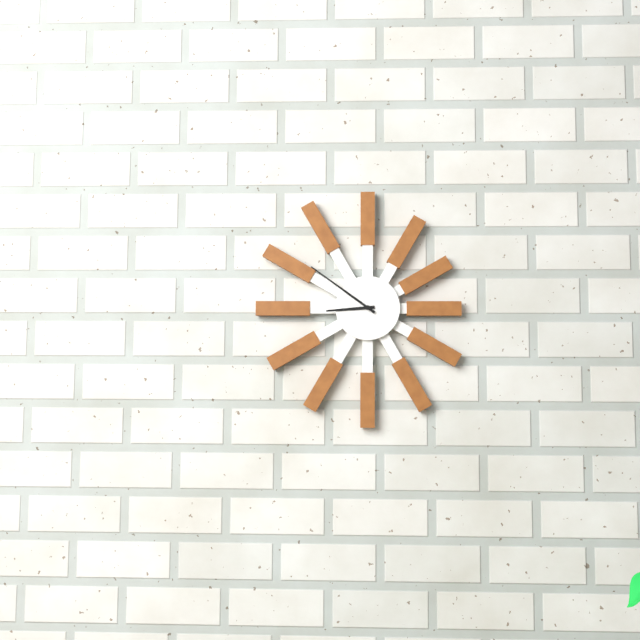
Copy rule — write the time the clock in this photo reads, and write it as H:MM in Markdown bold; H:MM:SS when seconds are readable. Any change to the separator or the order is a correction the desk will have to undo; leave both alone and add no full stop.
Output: **8:51**
